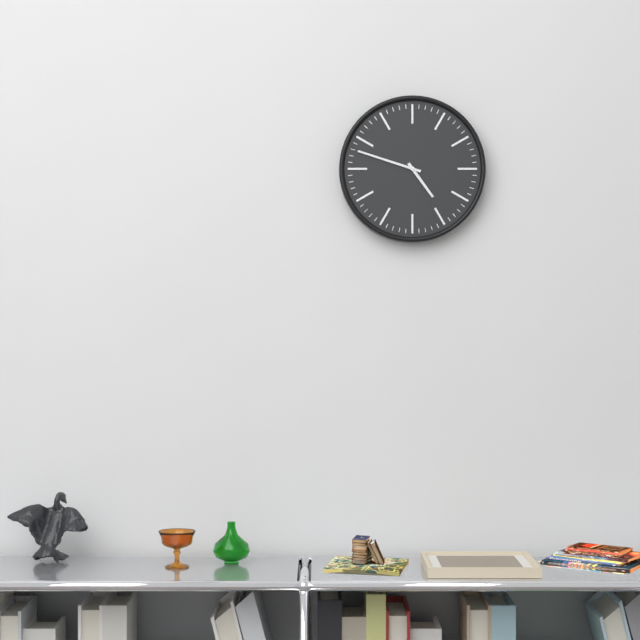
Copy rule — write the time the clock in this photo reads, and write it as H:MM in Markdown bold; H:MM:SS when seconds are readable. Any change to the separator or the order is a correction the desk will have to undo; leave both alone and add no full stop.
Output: **4:48**
